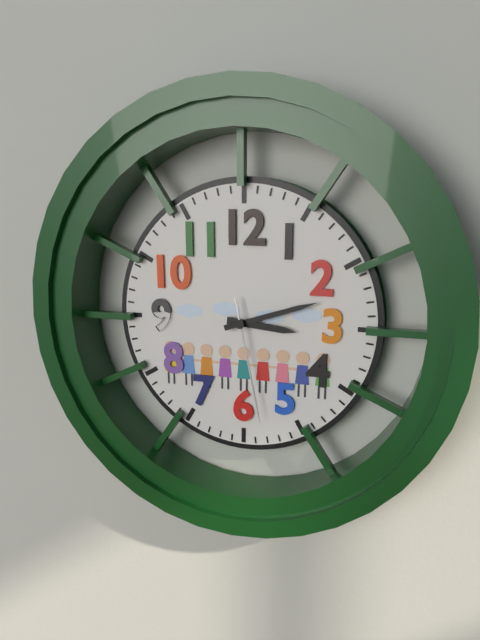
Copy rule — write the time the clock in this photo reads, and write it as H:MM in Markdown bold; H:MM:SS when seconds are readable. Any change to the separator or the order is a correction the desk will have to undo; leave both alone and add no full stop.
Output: **3:12:28**
